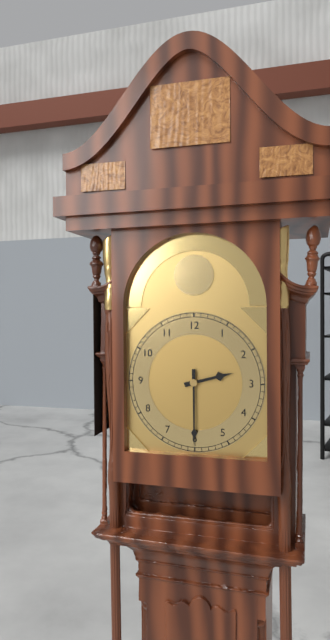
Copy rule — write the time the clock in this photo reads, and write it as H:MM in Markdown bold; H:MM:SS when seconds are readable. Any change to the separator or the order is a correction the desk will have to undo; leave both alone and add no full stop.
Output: **2:30**
